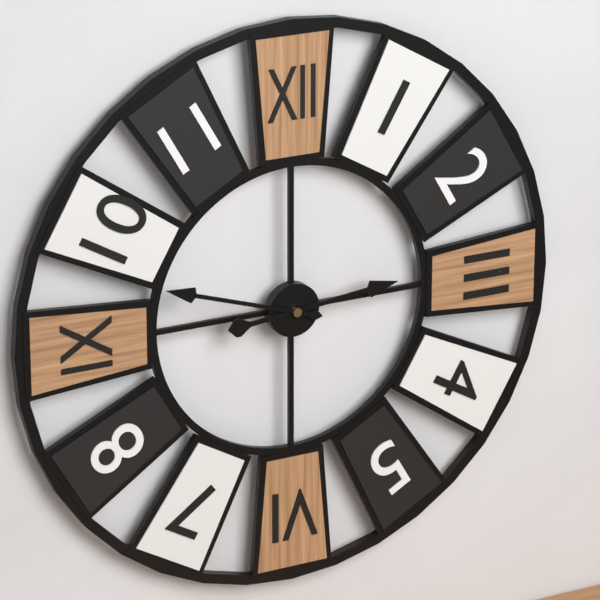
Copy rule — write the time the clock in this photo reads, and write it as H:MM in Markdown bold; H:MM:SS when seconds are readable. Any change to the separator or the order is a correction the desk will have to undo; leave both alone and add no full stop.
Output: **2:48**
